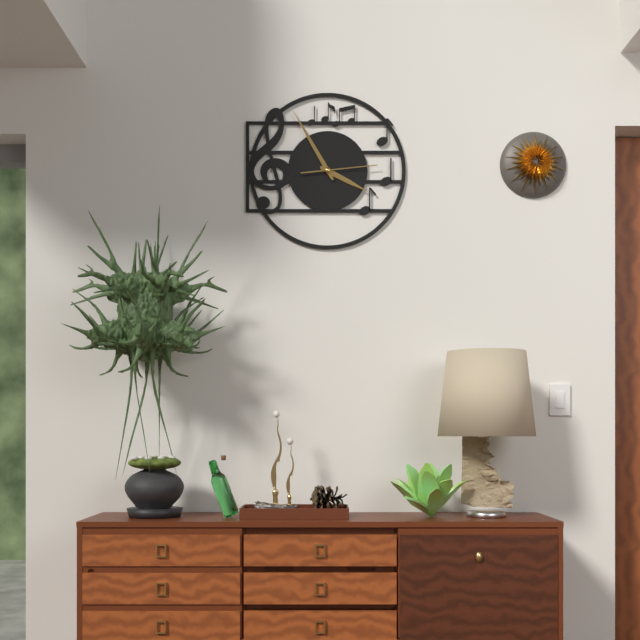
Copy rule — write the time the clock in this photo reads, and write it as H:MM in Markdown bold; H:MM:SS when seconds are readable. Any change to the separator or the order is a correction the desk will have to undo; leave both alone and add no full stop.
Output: **3:55:14**
